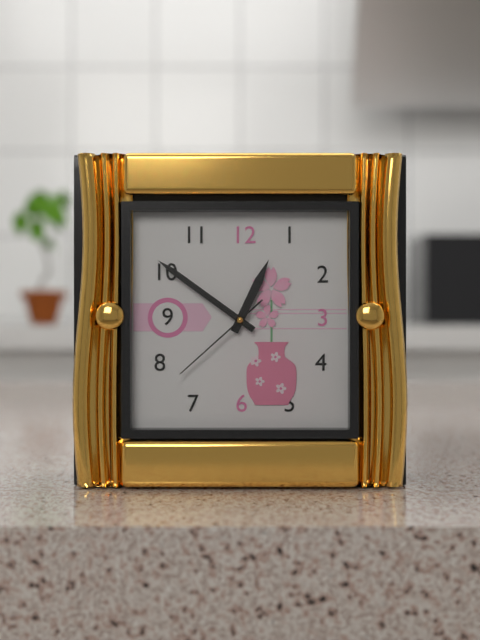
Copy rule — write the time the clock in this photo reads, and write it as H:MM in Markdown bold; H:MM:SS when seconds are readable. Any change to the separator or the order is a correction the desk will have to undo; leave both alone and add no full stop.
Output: **12:51:38**
